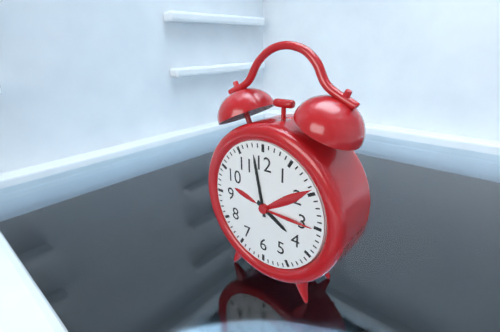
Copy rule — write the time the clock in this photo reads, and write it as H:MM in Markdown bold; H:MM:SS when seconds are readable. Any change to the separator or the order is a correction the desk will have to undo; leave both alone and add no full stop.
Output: **3:58**
